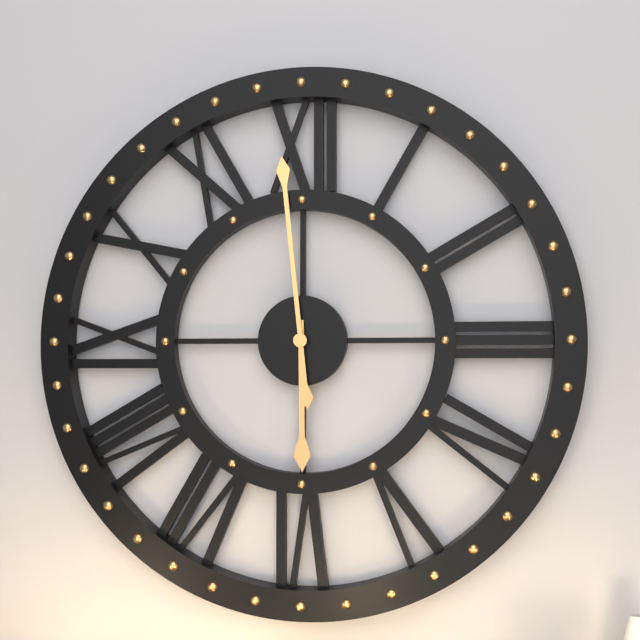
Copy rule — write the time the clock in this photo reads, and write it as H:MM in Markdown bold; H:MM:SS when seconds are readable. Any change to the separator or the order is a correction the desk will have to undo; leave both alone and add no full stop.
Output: **5:59**
